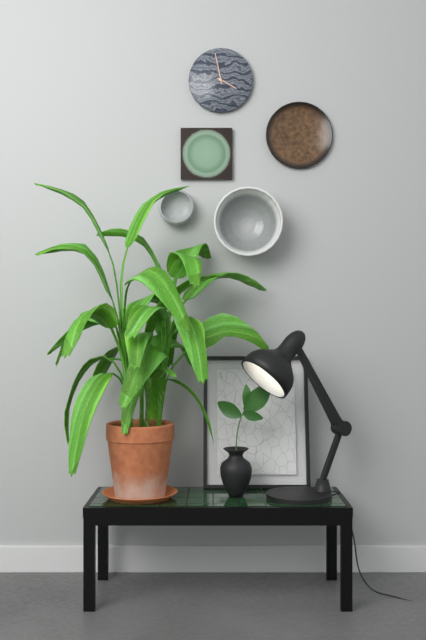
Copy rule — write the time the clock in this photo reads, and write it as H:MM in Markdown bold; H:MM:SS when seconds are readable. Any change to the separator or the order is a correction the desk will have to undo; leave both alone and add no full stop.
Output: **3:58**
